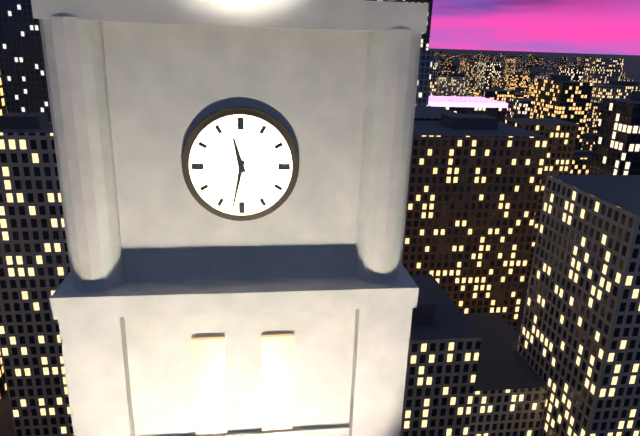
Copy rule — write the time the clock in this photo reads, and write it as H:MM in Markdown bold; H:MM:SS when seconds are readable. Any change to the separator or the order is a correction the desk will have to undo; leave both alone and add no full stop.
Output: **11:32**
